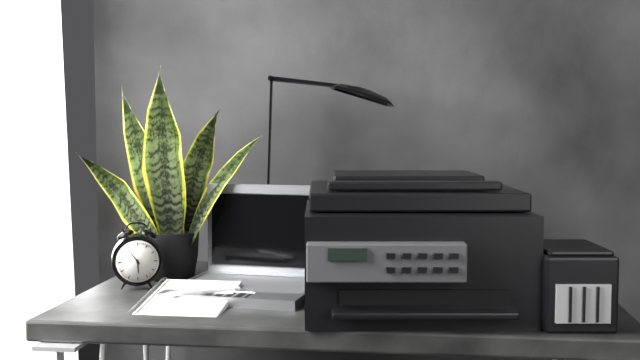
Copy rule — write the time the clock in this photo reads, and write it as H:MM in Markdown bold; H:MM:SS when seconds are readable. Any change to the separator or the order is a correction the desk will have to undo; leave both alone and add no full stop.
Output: **5:54**
